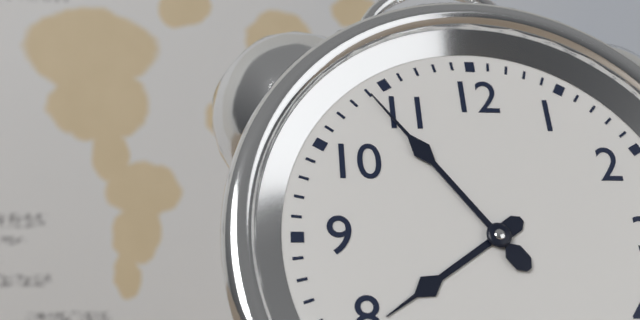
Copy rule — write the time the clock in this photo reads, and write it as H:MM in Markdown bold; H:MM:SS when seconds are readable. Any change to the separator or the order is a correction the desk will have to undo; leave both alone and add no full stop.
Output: **7:54**
